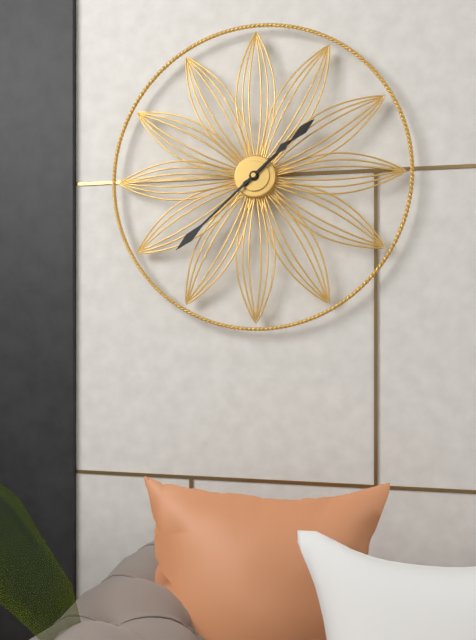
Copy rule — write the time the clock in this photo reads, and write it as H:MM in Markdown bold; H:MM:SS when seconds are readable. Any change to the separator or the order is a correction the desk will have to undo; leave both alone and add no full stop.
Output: **1:38**
